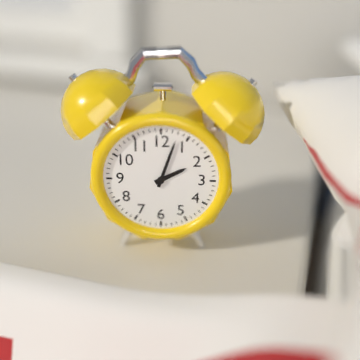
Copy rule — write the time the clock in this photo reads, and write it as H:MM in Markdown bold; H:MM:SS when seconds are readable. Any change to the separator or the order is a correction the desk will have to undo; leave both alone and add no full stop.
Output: **2:03**
